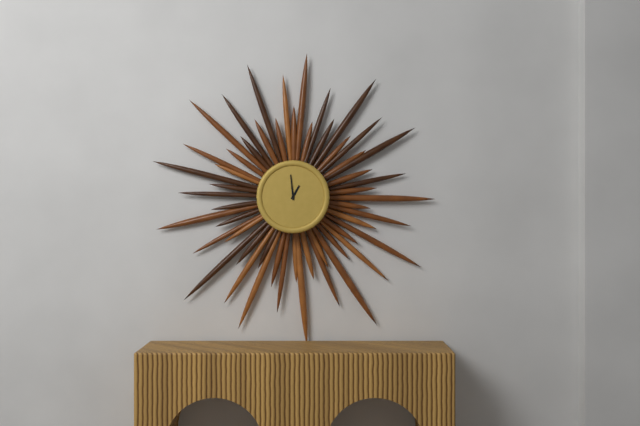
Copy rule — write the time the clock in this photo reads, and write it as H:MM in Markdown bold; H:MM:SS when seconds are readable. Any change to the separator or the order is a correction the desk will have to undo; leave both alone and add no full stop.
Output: **12:59**
